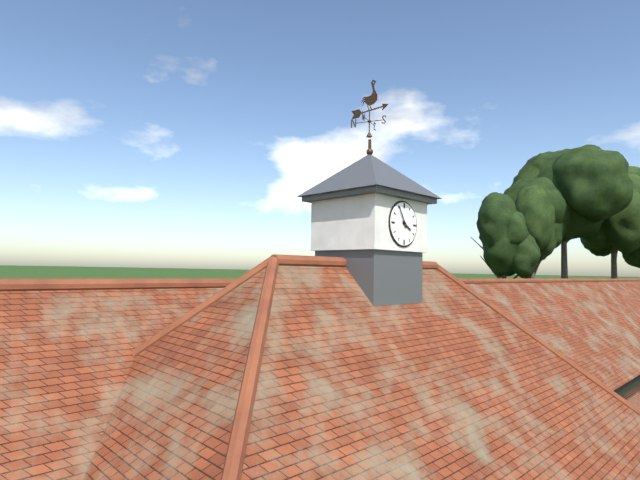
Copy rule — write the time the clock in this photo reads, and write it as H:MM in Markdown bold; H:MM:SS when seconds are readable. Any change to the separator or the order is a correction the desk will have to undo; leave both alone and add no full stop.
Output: **3:55**
